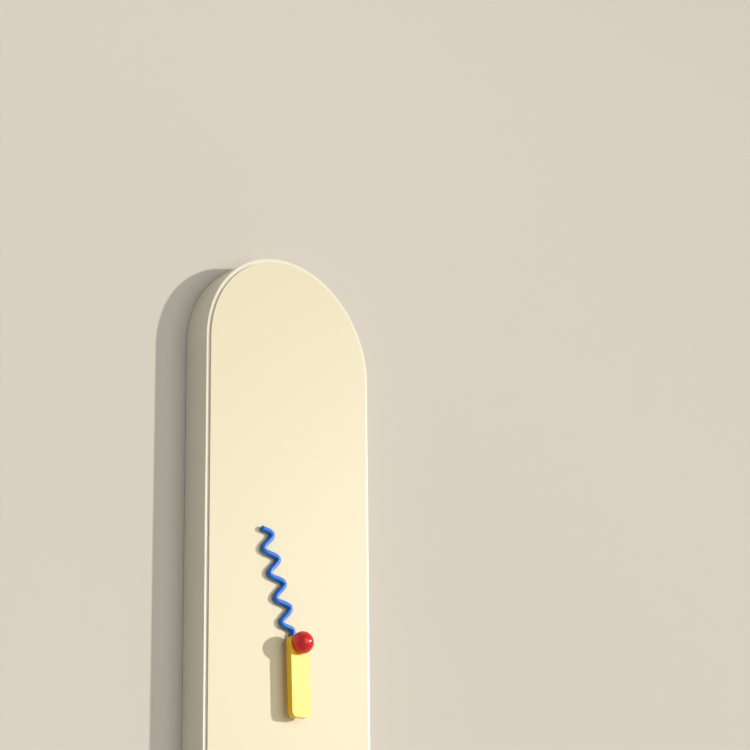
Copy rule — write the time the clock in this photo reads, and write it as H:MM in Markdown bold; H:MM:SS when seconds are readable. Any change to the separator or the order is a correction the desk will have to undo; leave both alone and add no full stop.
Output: **5:57**
